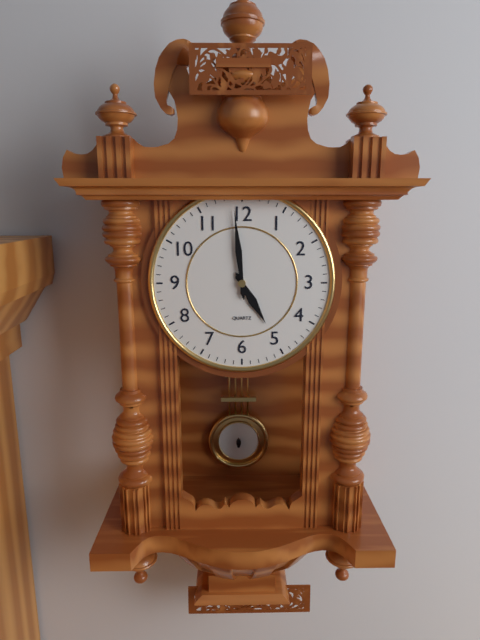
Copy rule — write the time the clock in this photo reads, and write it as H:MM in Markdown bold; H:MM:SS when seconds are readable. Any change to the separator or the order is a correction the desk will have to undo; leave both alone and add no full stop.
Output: **4:59**
